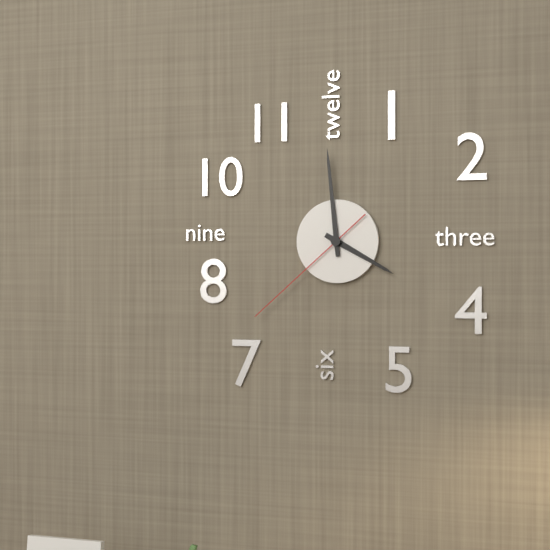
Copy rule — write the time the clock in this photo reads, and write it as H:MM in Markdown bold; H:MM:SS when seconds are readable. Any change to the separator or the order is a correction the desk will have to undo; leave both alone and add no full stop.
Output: **3:59:38**
